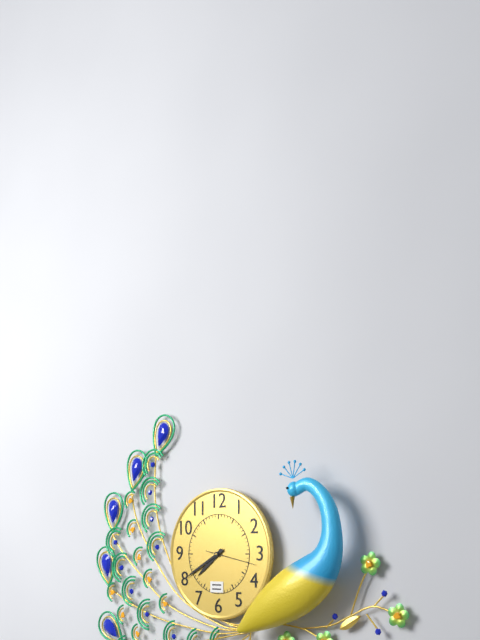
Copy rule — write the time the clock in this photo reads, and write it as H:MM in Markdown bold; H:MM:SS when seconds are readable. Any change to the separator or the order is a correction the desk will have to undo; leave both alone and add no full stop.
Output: **7:40**
